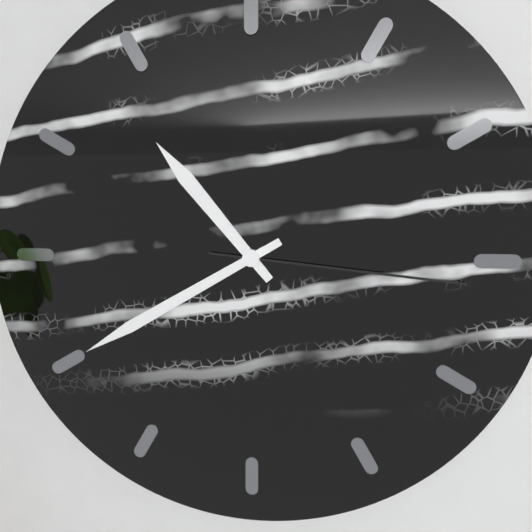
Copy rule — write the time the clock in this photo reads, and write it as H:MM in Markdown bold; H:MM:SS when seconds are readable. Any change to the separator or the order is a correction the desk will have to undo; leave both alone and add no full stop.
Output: **10:40:16**
